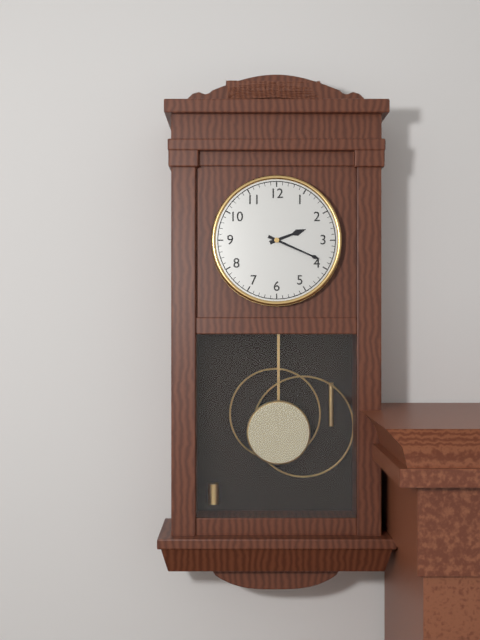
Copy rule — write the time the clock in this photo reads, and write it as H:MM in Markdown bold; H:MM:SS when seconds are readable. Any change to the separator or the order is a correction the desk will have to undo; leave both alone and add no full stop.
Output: **2:19**
